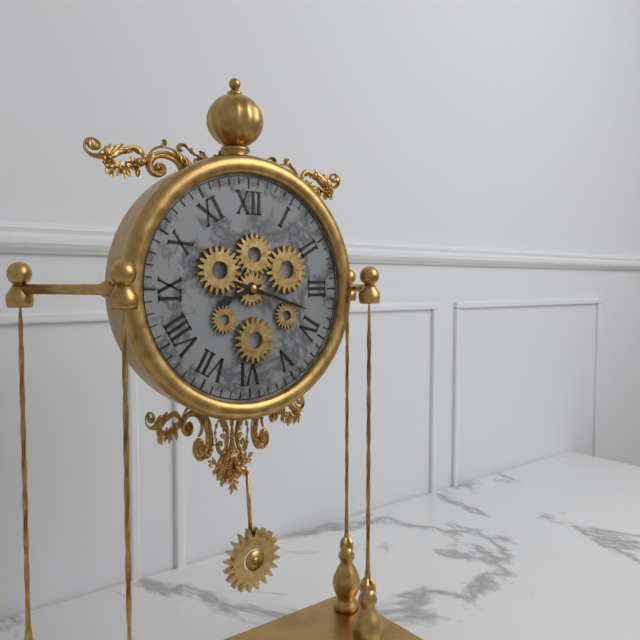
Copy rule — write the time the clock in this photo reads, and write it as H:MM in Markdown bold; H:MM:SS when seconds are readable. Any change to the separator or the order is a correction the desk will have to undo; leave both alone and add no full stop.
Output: **8:18**
